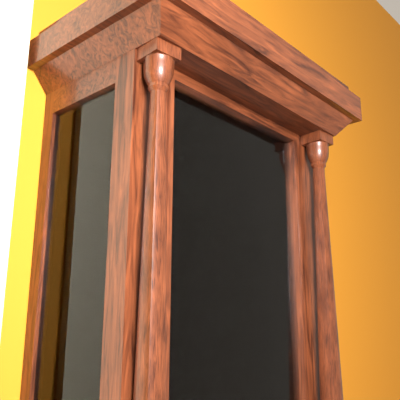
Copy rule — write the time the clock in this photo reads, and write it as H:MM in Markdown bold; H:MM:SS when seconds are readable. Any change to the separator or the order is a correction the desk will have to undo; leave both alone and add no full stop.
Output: **12:40**
